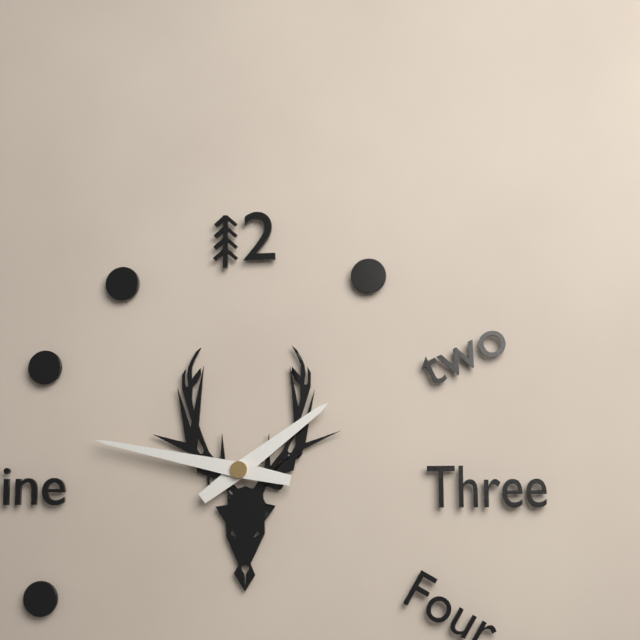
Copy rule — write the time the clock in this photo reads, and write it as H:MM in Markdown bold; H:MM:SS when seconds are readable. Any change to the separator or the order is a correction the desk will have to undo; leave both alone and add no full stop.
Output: **1:47**
